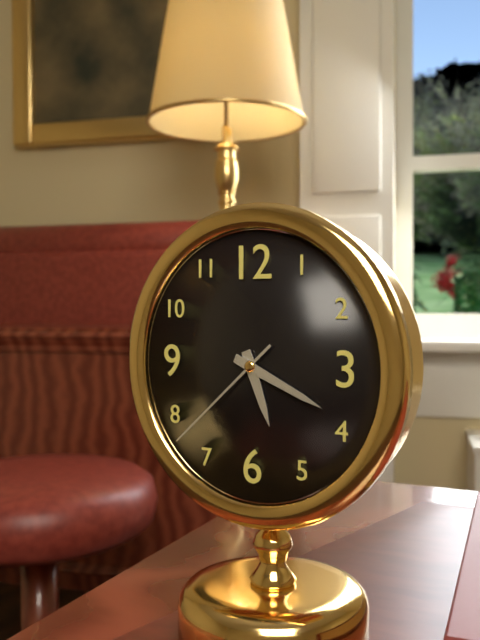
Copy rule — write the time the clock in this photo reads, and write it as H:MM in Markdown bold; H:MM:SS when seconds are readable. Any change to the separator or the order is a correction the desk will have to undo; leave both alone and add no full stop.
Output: **5:19:38**
